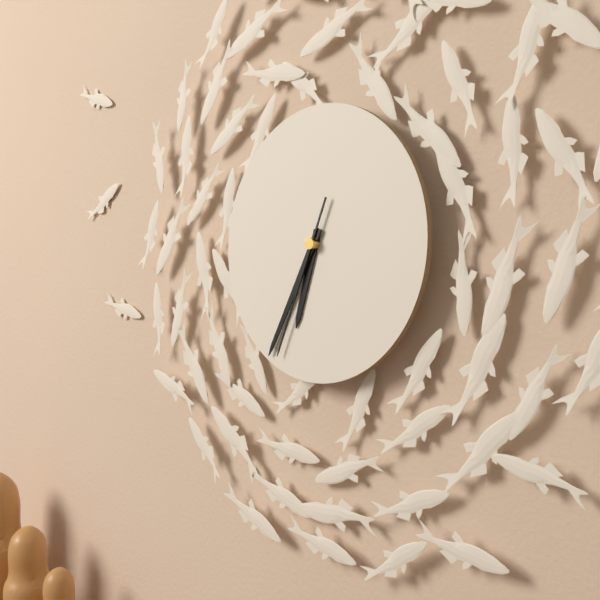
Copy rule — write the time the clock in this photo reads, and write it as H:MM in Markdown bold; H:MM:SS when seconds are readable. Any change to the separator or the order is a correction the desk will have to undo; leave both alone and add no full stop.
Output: **6:35:34**
